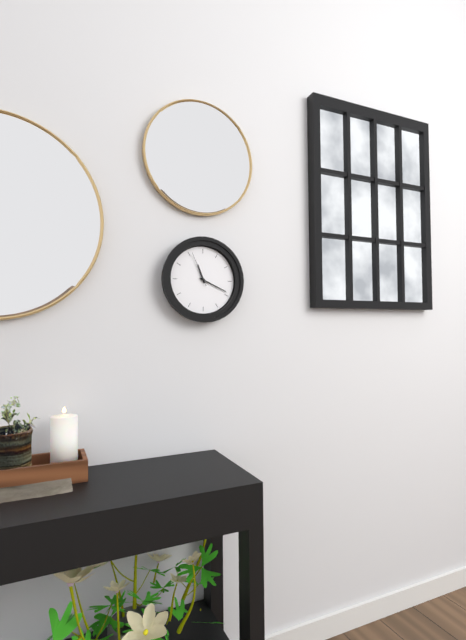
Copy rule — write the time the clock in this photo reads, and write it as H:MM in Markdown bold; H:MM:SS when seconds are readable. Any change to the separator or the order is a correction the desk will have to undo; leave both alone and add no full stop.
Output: **11:19**
